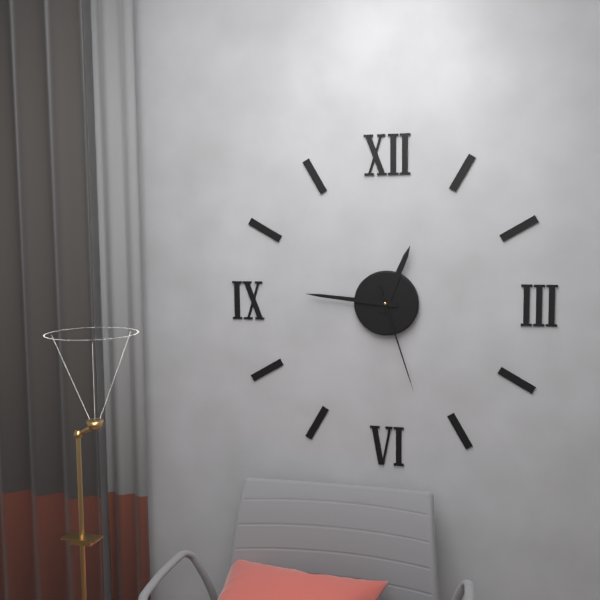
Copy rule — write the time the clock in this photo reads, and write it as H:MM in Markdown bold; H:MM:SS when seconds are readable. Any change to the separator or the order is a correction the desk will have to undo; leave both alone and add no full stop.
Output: **12:46:27**
